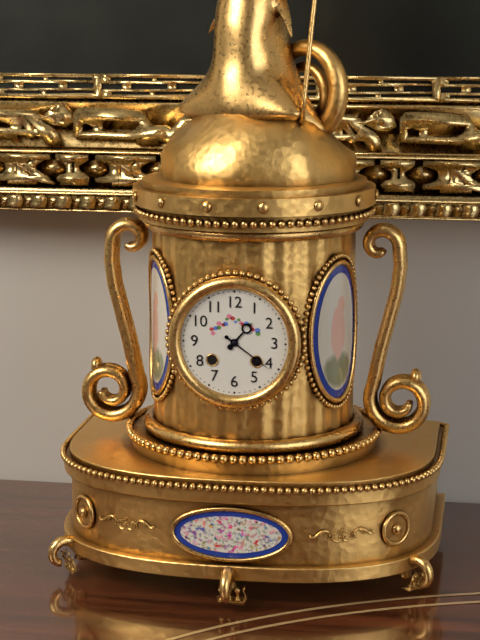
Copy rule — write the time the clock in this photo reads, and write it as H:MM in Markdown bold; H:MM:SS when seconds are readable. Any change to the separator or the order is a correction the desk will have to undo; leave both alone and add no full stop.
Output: **1:21**
